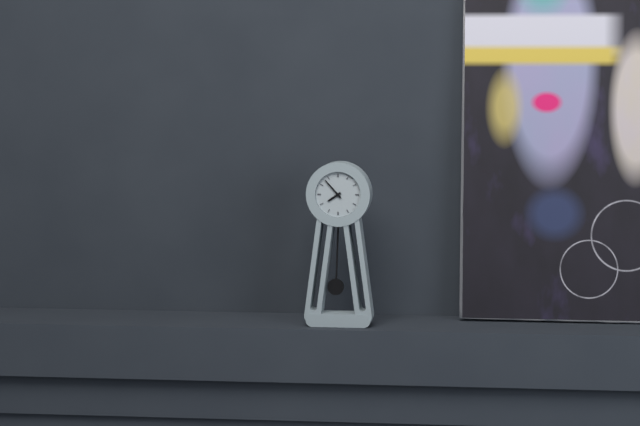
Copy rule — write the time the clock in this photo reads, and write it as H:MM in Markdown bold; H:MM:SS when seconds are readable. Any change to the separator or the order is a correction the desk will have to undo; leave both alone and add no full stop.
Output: **7:53**
